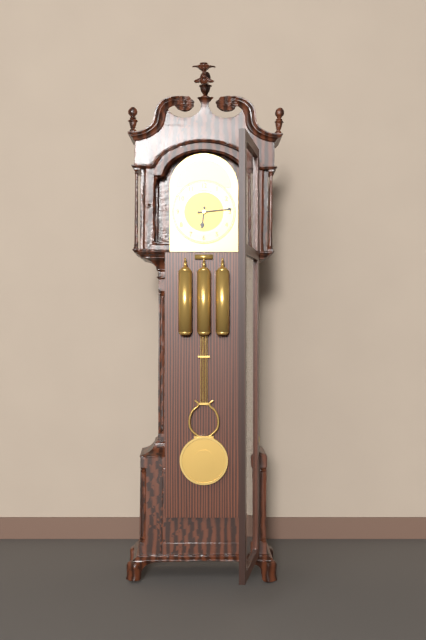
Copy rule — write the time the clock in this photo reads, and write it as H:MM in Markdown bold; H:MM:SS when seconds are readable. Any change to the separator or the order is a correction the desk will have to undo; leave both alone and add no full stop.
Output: **6:14**
